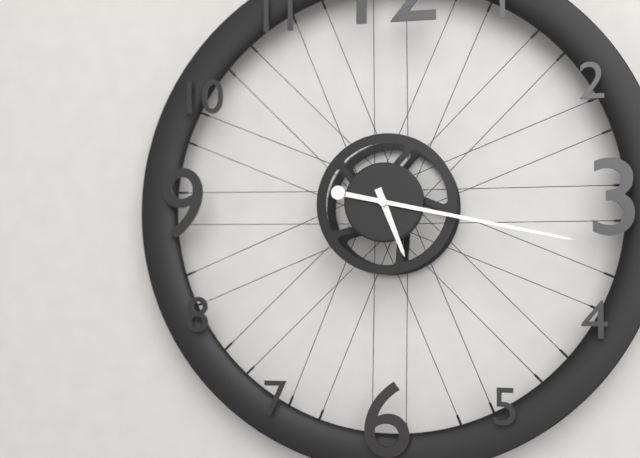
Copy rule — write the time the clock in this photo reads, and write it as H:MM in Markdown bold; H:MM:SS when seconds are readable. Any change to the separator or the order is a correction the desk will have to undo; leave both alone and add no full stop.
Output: **5:17**
